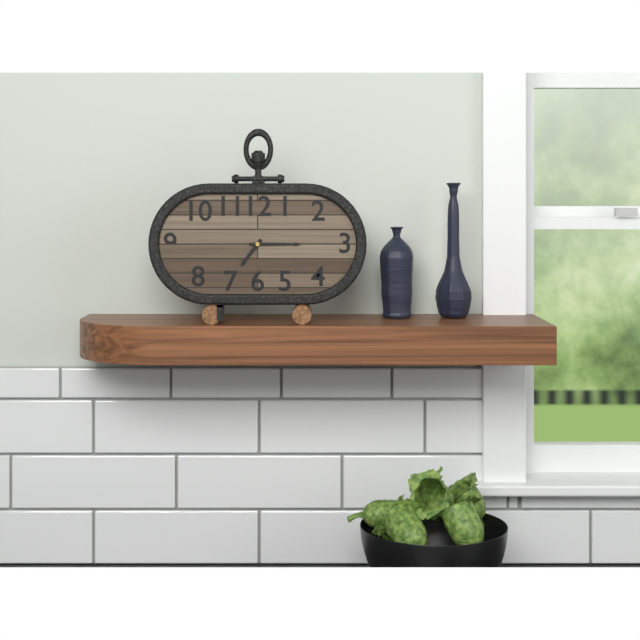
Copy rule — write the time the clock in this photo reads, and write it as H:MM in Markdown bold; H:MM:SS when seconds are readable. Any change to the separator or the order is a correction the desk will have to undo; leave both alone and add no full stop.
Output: **7:15**
